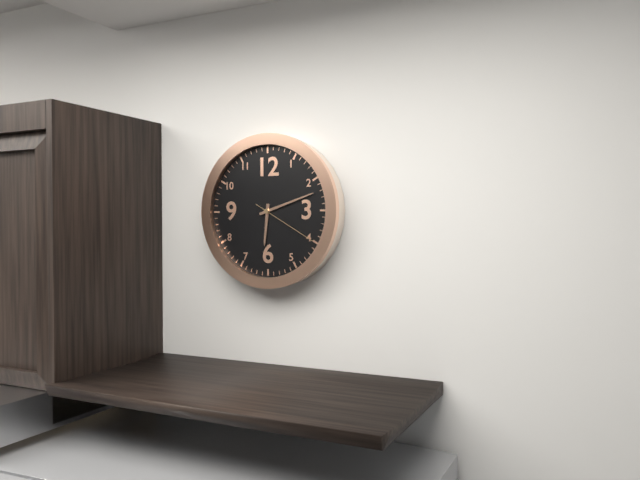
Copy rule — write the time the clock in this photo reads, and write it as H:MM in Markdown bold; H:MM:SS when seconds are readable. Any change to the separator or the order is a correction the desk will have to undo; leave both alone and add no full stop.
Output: **6:12:20**
